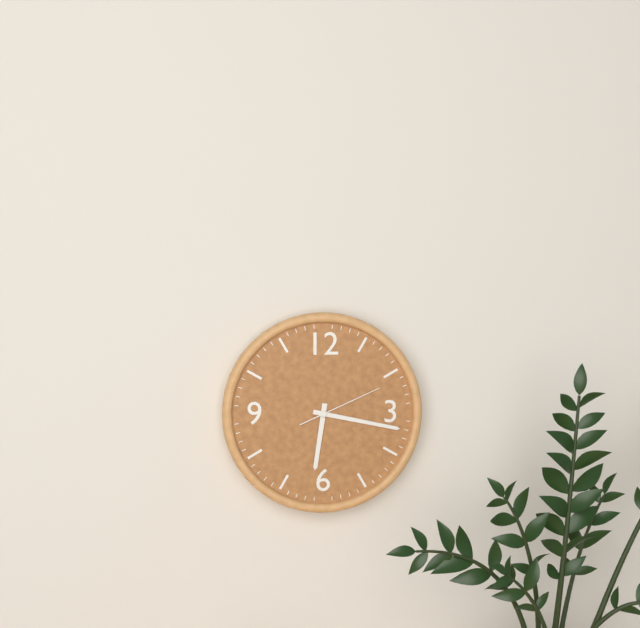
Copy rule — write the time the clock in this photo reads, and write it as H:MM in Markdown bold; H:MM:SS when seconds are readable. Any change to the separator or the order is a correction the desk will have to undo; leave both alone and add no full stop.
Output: **6:17:11**
